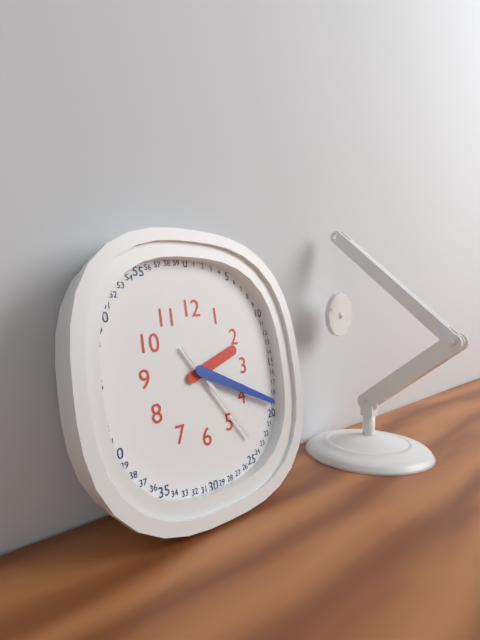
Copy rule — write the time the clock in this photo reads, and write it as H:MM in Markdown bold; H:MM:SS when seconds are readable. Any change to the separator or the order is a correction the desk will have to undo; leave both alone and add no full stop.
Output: **2:19:24**
